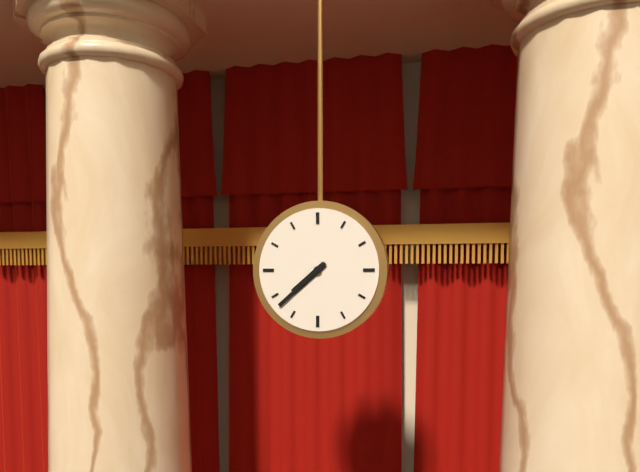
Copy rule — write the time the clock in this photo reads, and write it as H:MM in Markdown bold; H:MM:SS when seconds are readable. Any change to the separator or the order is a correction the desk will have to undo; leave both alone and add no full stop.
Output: **7:38**
